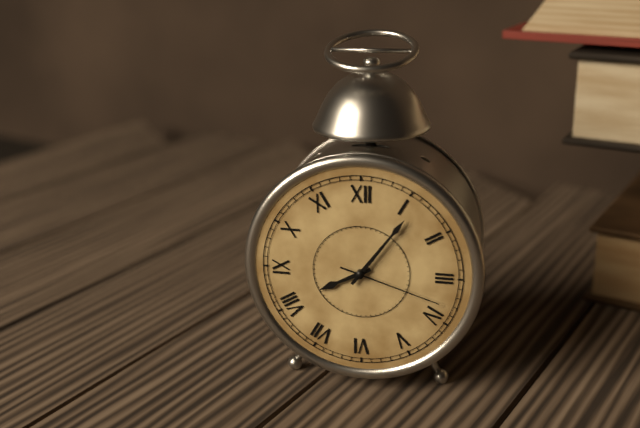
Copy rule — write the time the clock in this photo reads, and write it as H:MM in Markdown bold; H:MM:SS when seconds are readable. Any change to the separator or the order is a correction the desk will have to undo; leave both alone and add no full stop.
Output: **8:06:18**
